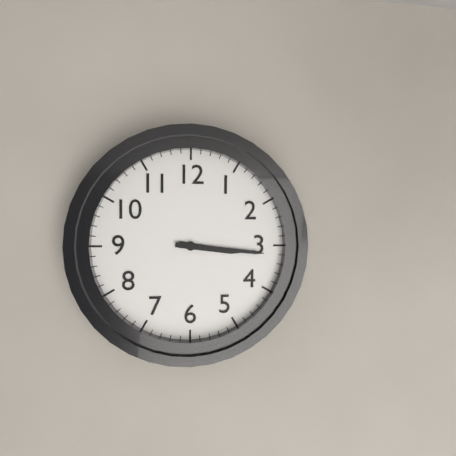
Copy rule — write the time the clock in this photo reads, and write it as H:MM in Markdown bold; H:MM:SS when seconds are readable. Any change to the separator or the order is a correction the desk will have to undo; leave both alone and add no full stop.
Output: **3:16**
